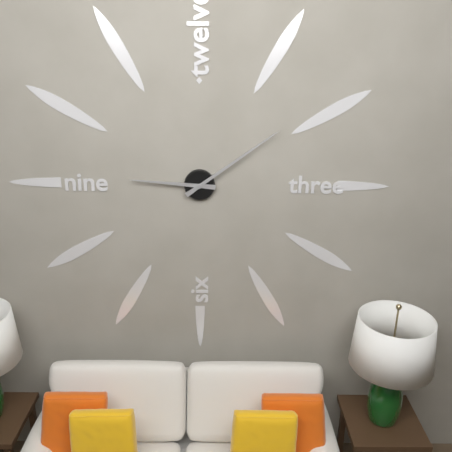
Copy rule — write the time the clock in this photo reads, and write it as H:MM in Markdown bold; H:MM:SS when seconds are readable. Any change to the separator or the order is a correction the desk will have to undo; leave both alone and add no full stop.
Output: **9:09**
